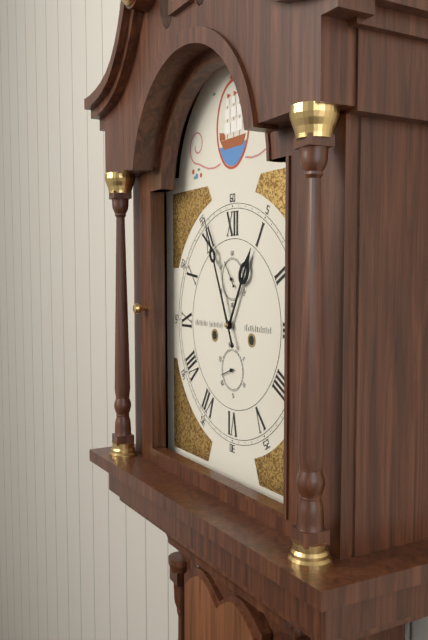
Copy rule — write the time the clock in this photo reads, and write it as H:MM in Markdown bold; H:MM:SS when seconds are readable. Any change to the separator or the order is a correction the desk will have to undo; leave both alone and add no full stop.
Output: **12:56**
